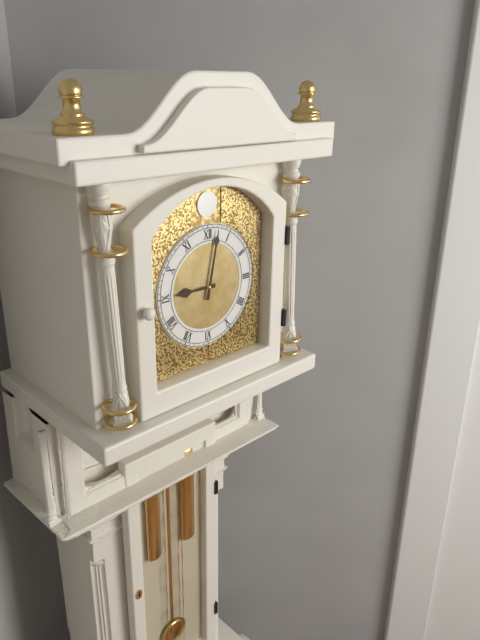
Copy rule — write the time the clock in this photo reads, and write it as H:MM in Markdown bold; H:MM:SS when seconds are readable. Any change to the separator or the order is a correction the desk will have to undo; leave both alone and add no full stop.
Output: **9:02**
